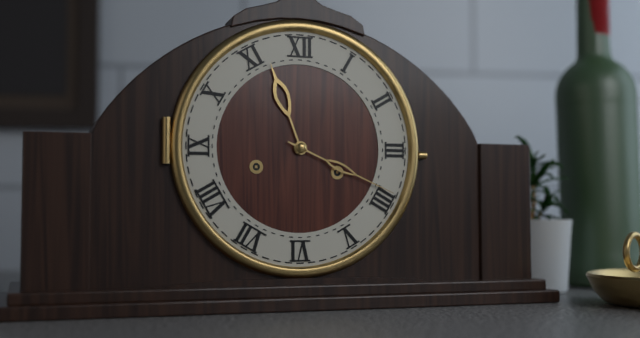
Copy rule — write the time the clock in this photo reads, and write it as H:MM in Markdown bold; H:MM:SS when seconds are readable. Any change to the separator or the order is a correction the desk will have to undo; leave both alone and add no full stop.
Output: **11:19**
